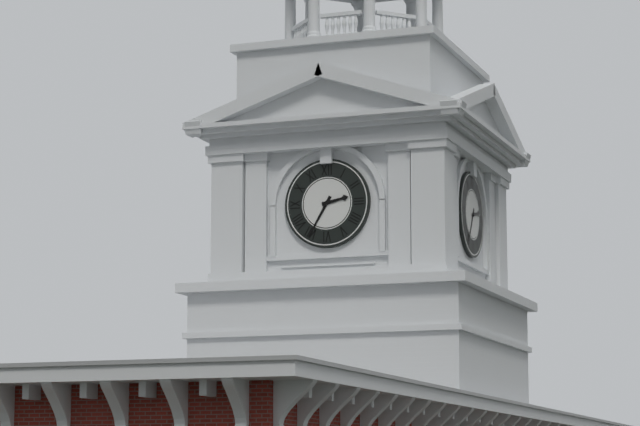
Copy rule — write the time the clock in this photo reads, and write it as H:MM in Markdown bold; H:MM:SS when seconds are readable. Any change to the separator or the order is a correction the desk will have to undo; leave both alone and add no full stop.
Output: **2:35**
